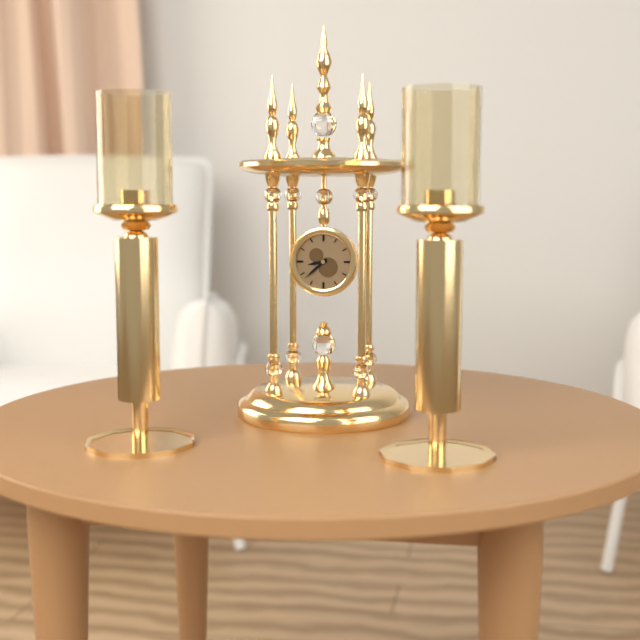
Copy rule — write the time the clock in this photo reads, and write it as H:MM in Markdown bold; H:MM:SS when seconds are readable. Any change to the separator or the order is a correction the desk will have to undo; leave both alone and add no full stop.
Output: **8:38**
